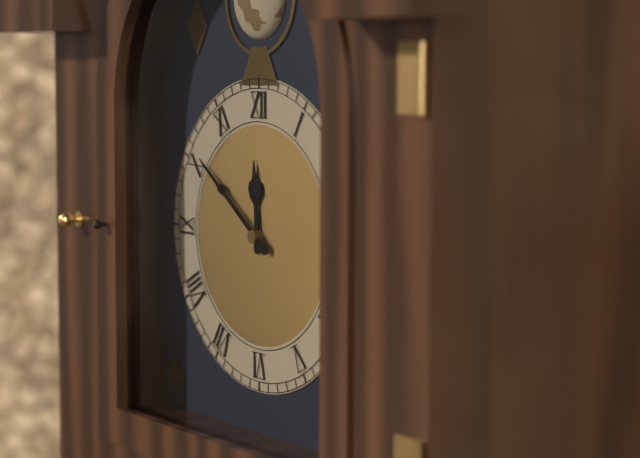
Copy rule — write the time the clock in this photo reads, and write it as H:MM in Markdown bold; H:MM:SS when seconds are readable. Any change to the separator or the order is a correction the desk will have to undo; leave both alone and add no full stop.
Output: **11:51**
